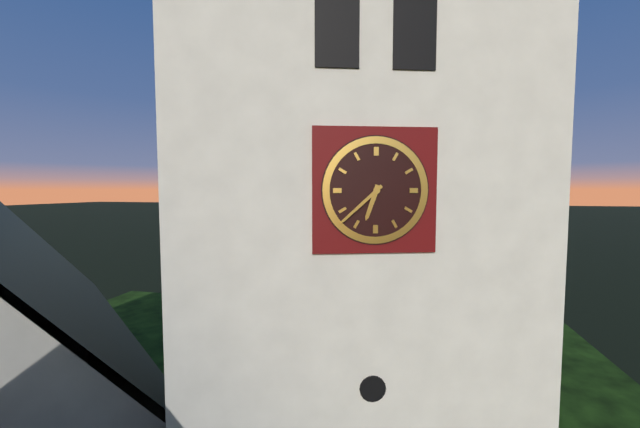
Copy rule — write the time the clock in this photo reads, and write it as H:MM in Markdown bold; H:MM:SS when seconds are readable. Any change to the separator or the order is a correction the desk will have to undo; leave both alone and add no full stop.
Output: **6:38**
